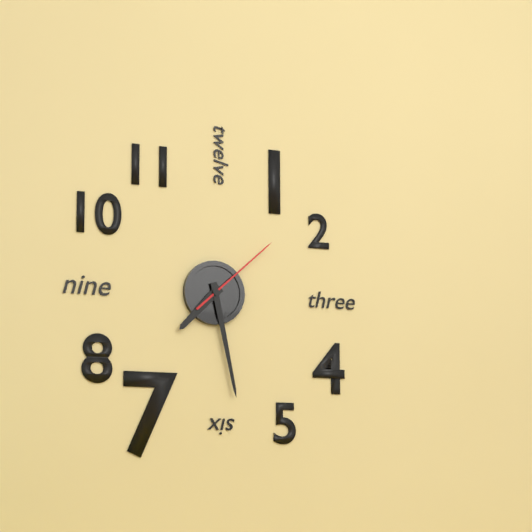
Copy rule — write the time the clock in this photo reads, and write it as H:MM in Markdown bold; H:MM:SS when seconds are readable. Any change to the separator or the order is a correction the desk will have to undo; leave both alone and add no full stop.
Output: **7:28:08**
